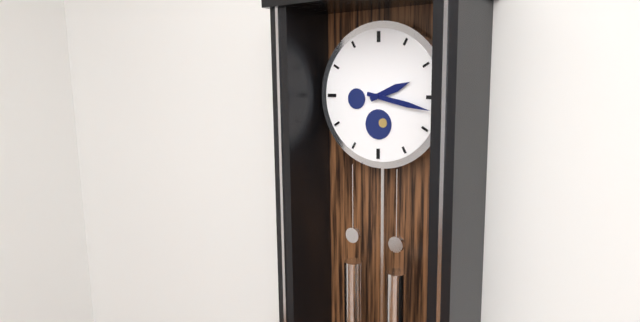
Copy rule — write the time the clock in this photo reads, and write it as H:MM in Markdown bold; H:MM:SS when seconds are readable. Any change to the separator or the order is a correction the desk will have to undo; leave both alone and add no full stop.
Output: **2:17**
